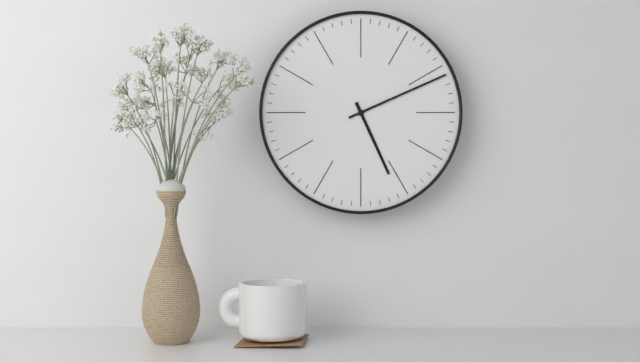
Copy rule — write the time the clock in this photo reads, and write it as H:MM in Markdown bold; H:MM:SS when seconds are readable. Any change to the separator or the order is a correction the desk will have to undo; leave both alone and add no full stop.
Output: **5:11**
